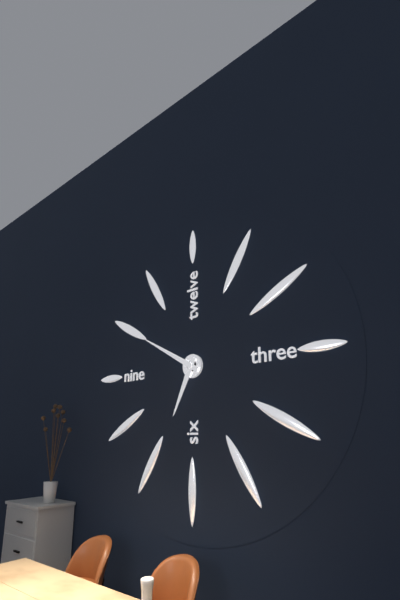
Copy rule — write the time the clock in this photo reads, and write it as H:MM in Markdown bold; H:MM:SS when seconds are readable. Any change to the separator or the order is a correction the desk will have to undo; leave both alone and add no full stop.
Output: **6:50**
